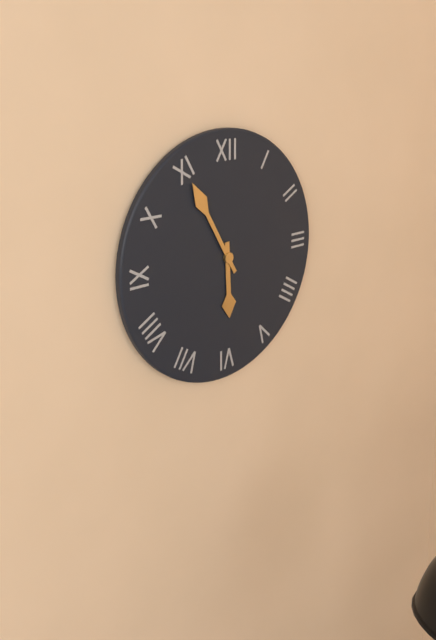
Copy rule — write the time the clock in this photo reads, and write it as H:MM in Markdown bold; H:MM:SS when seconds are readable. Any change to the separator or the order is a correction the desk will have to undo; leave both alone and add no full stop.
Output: **5:55**
